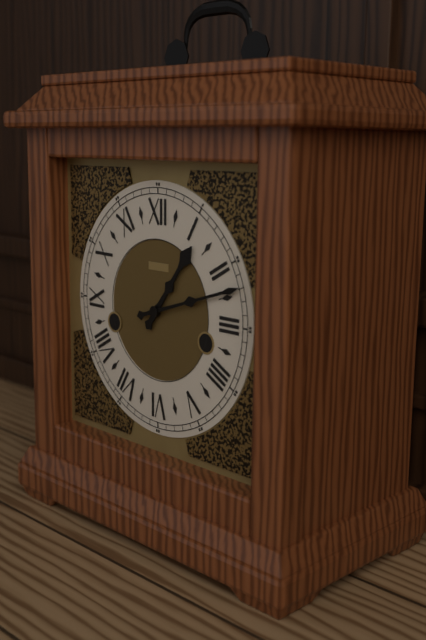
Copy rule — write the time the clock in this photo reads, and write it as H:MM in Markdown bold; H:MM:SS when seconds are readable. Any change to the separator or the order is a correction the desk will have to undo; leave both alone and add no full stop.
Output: **1:12**
